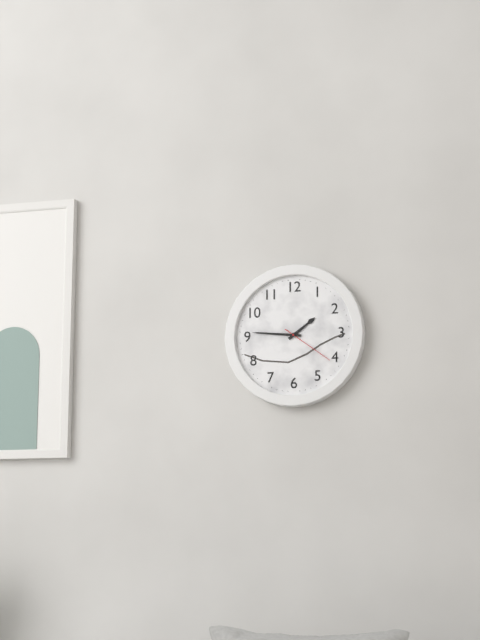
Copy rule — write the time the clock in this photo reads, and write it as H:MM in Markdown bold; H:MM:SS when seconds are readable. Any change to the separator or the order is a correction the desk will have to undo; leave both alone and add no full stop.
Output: **1:46:21**
